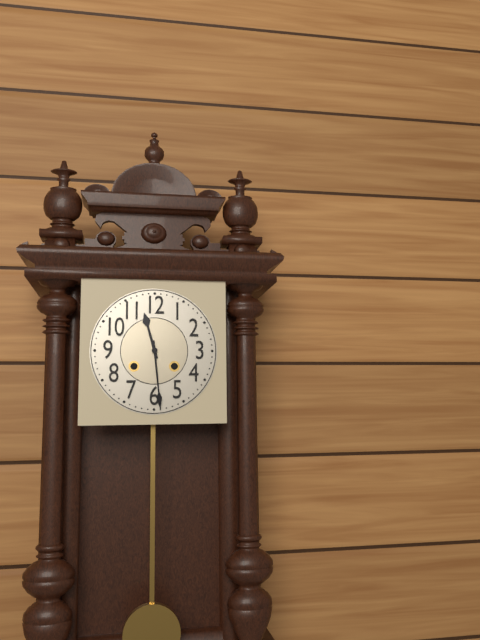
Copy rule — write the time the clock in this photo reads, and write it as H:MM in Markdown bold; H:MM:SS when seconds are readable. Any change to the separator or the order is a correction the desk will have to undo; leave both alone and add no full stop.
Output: **11:29**
